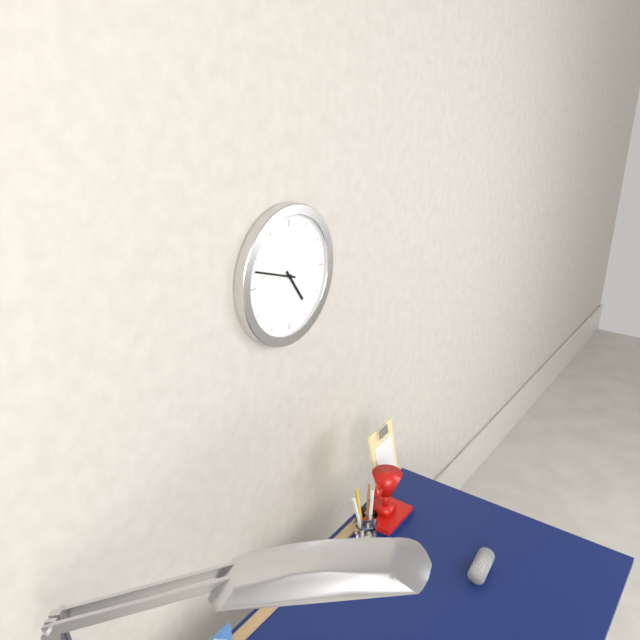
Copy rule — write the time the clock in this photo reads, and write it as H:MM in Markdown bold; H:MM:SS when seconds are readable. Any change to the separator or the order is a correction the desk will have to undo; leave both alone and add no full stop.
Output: **4:48**
